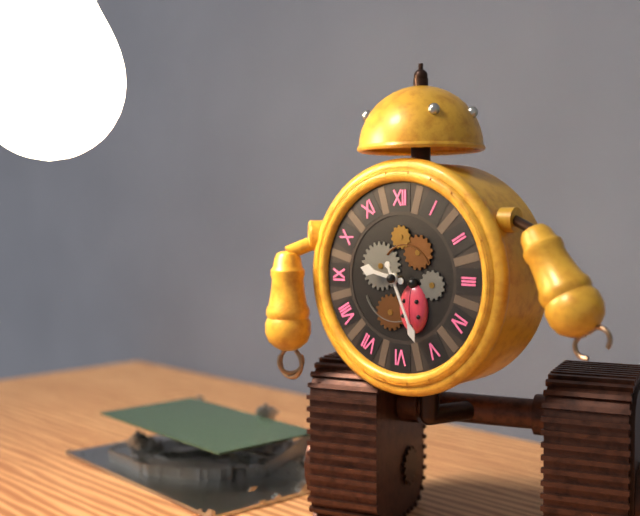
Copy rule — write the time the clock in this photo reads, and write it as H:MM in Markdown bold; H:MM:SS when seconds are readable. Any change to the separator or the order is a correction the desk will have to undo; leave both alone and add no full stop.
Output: **9:26**
